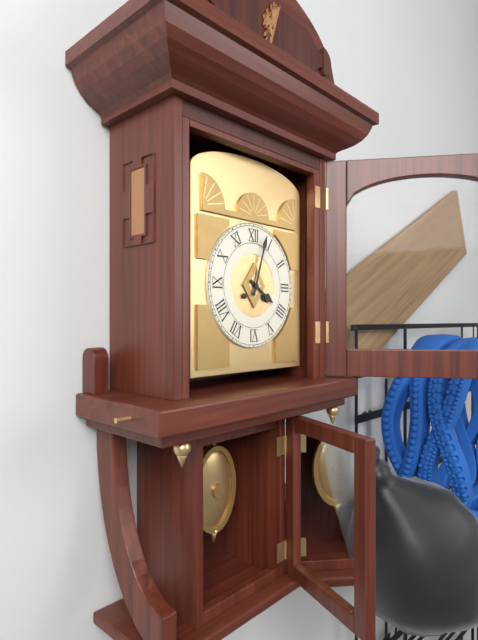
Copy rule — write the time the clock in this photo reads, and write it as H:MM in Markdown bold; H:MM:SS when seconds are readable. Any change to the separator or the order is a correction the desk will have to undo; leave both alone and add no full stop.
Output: **4:03**
